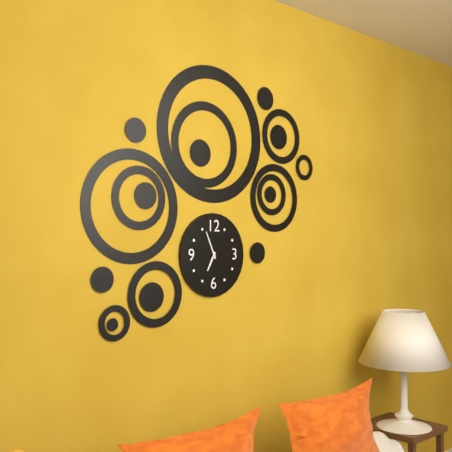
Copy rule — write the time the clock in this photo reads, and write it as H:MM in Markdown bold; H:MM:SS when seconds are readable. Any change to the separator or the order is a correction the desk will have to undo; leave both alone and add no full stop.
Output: **6:56**
